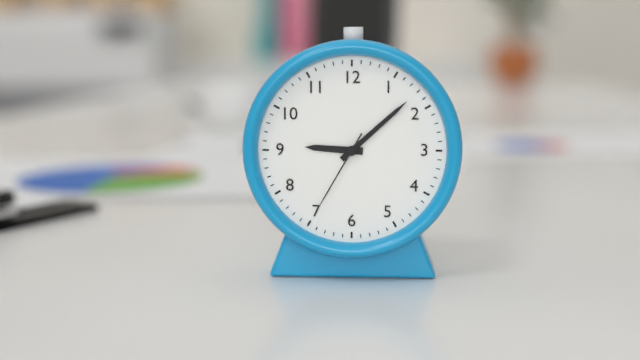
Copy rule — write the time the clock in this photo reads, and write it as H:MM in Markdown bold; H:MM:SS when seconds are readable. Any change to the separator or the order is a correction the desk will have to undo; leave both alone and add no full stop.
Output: **9:08:35**
